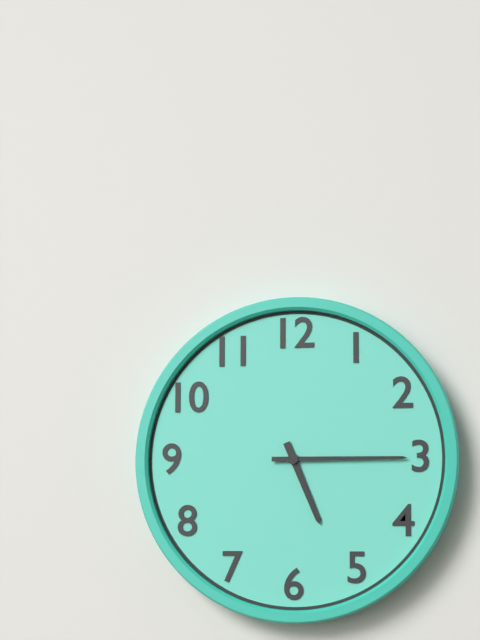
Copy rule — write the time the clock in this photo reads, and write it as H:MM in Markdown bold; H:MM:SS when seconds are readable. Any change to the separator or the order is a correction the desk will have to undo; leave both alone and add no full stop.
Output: **5:15**
